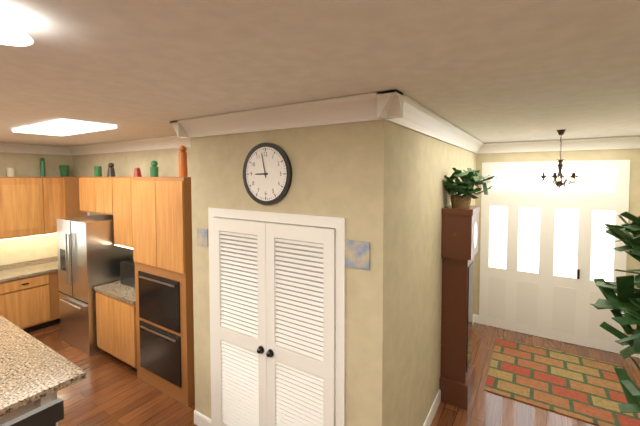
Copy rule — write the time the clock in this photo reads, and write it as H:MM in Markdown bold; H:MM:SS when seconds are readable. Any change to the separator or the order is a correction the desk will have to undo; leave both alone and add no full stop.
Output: **8:58**
